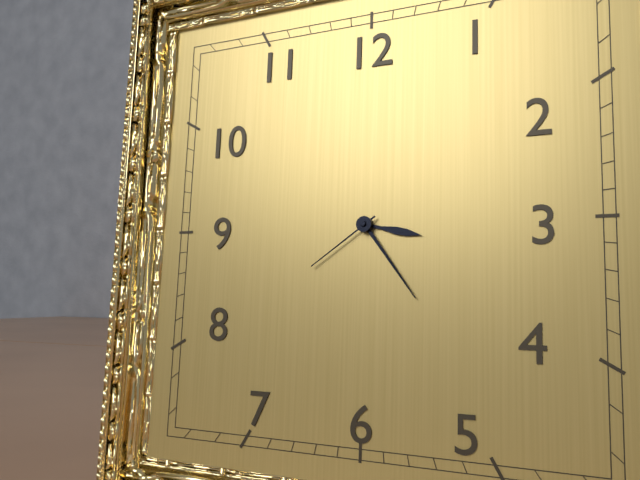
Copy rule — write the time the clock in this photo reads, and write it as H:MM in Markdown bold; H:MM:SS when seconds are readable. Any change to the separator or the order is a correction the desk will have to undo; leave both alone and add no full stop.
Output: **3:24:39**
